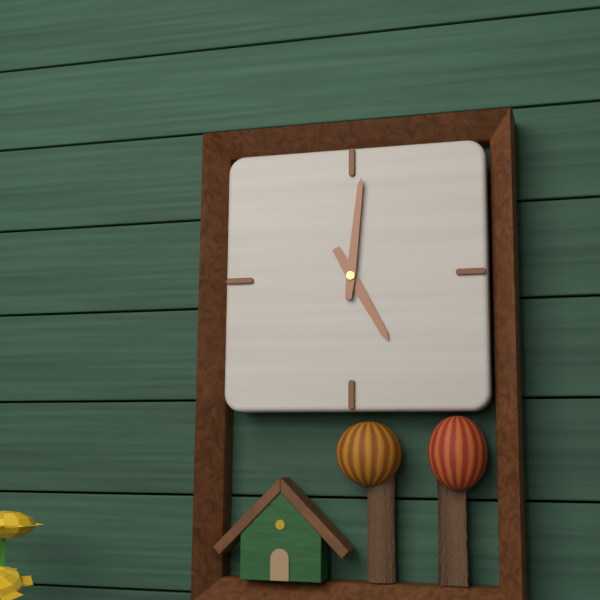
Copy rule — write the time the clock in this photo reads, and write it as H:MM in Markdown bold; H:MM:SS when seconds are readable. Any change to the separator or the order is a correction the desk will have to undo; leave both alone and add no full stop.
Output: **5:01**
